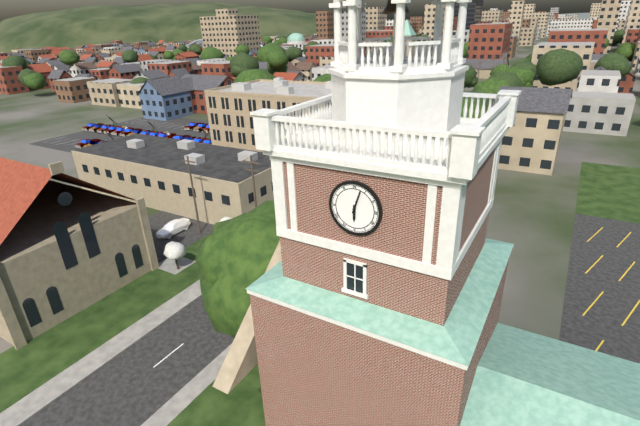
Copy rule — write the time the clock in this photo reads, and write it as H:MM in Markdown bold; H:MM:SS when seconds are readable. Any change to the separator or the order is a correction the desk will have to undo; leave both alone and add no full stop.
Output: **6:03**
